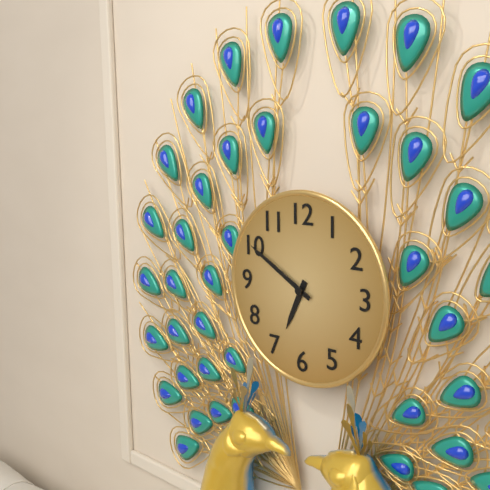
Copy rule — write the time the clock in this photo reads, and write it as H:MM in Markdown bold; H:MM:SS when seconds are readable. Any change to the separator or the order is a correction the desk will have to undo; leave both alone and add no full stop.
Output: **6:50**
